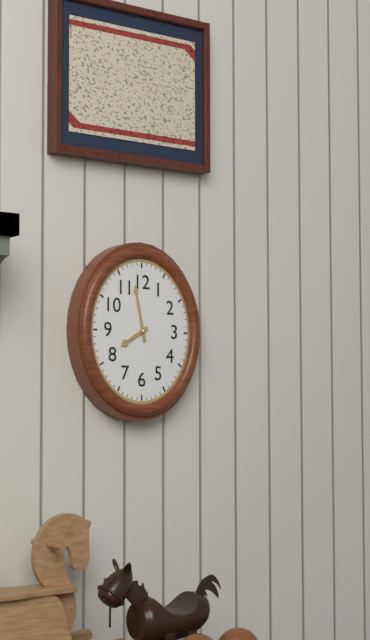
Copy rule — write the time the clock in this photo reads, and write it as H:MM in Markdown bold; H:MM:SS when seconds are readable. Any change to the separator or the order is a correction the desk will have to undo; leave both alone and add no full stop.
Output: **7:58**
